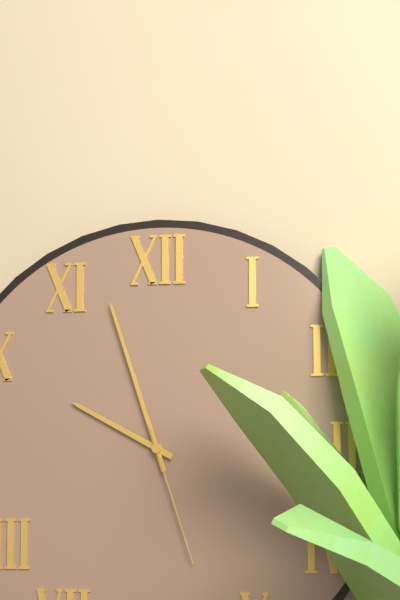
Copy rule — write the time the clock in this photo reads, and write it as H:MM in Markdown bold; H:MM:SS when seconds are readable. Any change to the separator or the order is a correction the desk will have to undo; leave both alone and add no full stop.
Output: **9:57:27**
